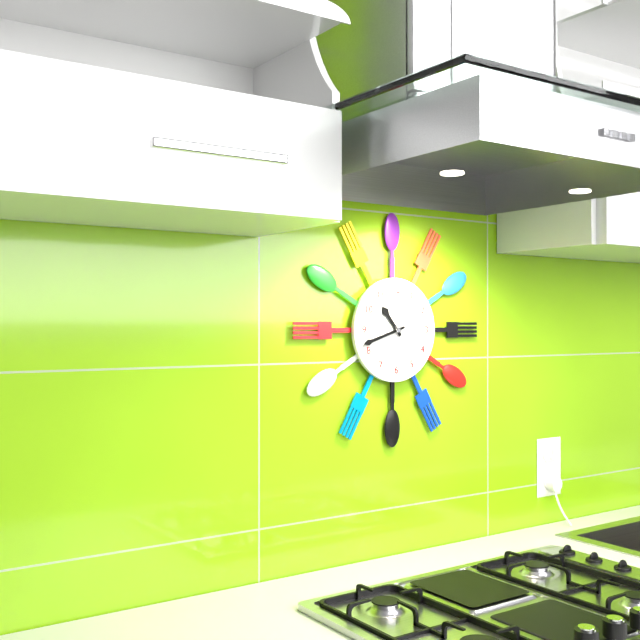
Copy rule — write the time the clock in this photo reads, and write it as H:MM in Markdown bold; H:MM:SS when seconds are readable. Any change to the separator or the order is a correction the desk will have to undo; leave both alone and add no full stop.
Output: **10:42**
